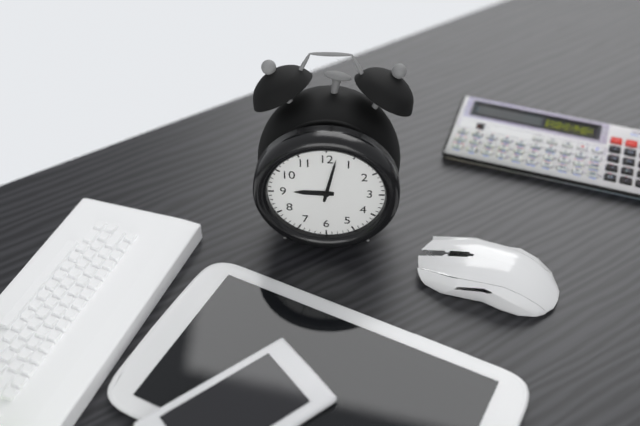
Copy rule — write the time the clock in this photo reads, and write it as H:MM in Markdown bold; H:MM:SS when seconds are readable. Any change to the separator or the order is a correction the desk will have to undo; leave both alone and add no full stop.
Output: **9:02**
